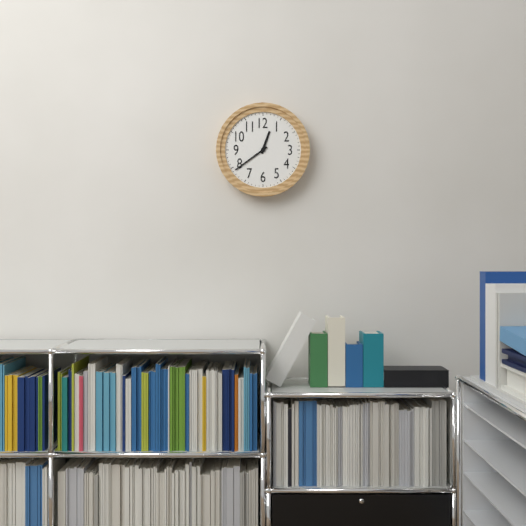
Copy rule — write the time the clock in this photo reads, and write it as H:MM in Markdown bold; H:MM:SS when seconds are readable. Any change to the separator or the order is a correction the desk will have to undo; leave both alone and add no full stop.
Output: **12:39**
